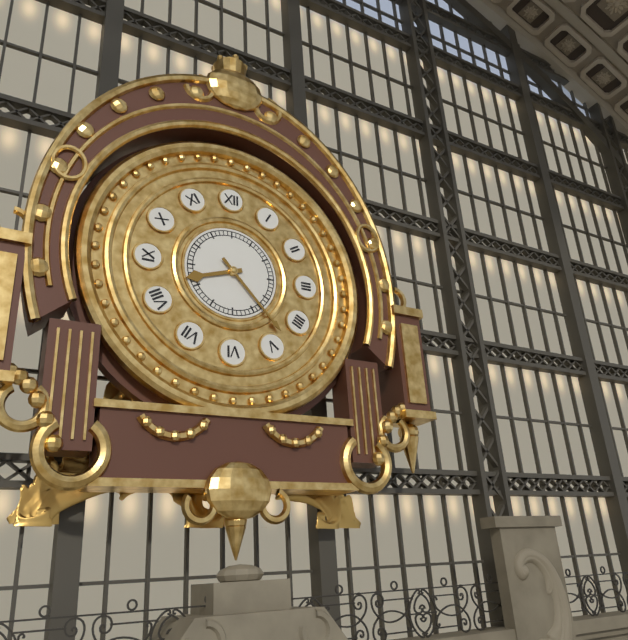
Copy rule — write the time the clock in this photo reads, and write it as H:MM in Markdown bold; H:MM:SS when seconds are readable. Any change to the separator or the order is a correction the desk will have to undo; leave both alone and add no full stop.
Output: **8:23**
